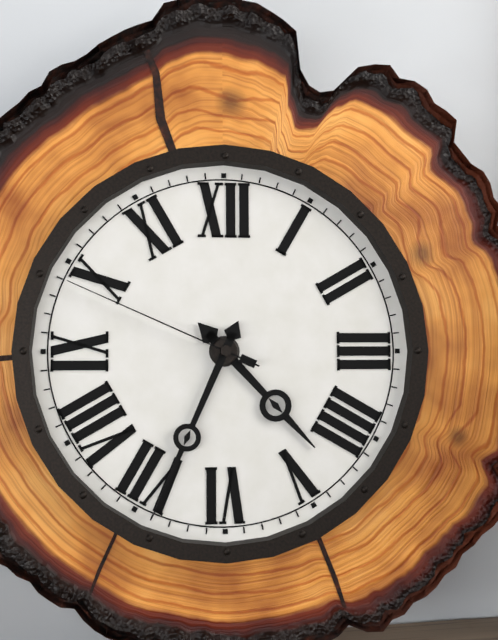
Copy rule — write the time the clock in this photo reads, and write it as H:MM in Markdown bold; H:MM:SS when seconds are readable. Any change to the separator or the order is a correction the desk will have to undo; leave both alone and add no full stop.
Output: **4:34:49**
